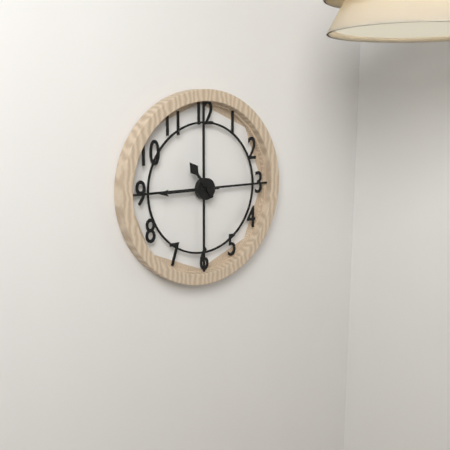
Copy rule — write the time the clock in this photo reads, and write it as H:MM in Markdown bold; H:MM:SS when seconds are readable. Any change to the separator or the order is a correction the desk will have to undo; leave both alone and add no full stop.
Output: **10:45**
